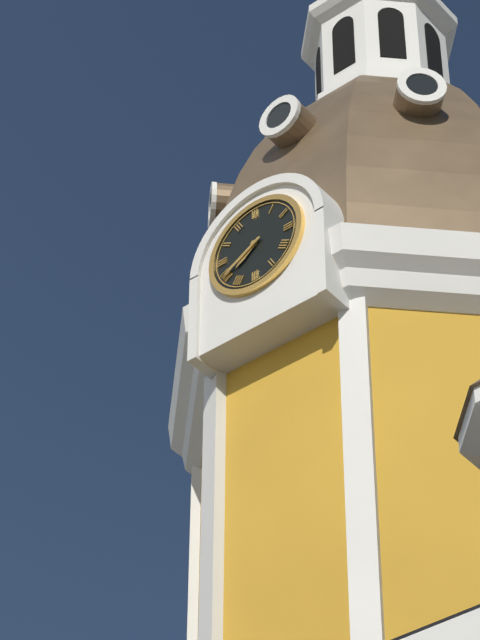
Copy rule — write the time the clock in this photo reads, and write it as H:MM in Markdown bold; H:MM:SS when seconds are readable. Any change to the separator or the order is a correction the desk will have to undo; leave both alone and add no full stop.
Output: **7:40**
